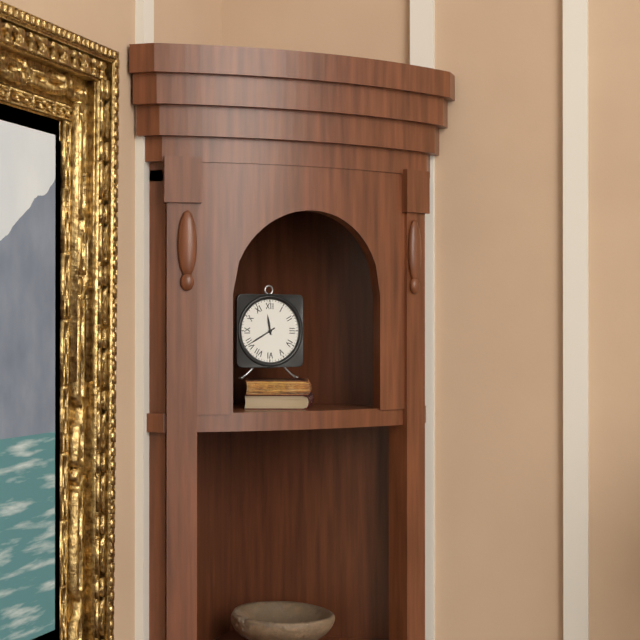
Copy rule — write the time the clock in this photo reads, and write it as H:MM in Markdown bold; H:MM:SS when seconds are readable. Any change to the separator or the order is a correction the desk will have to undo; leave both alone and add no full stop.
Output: **11:40**
